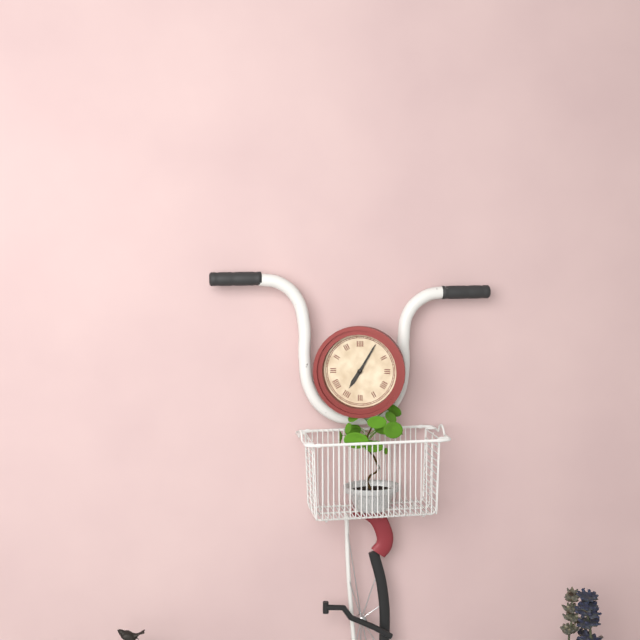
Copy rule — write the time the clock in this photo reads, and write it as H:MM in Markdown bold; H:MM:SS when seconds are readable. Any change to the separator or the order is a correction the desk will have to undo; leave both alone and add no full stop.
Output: **7:05**
